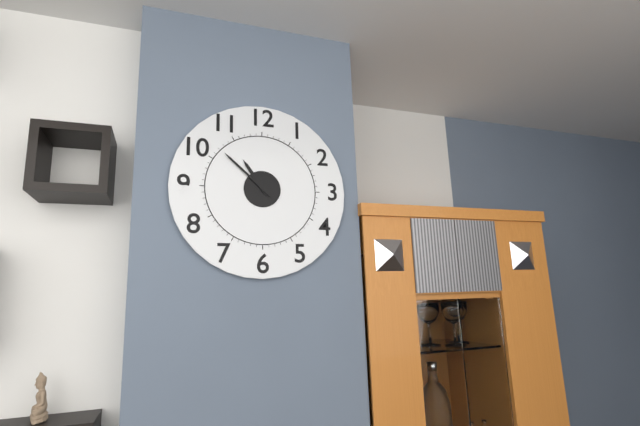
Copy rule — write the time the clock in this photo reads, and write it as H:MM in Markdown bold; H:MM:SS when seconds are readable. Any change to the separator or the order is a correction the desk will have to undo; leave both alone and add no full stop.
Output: **10:52**
